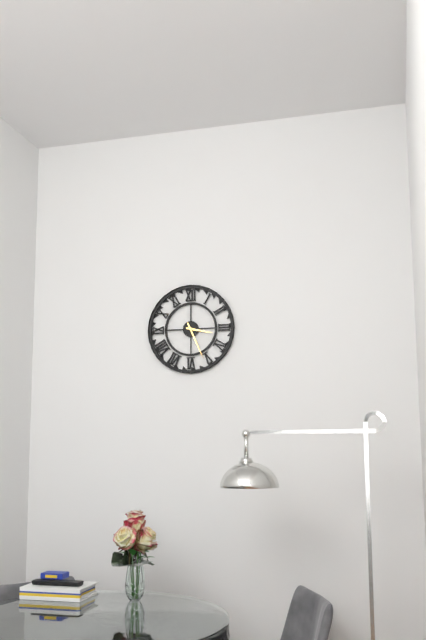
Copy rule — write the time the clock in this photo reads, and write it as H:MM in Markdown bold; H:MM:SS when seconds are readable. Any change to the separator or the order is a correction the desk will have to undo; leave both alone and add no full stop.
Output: **3:26**
